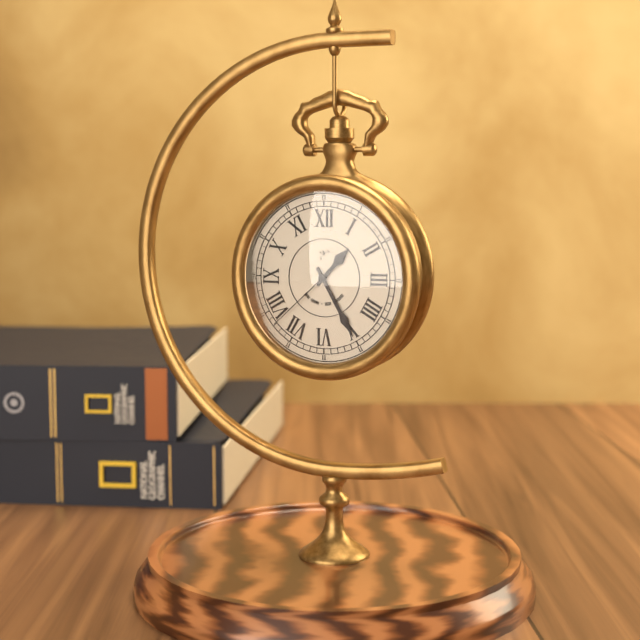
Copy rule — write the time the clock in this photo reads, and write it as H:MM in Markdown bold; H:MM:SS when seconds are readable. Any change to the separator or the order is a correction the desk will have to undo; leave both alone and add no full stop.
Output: **1:25:38**
